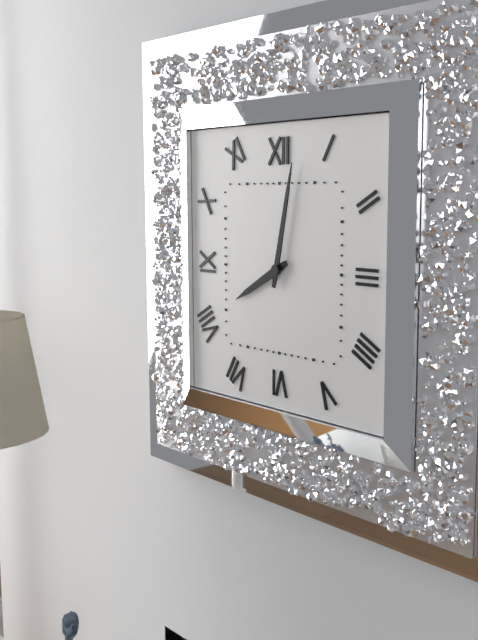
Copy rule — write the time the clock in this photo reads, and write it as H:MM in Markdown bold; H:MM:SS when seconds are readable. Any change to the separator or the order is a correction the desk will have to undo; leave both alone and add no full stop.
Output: **8:02**
